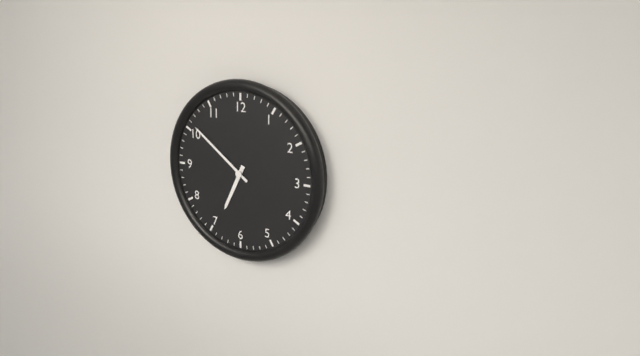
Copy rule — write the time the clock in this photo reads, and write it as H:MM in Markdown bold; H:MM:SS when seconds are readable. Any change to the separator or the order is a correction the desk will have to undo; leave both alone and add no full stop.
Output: **6:51**
